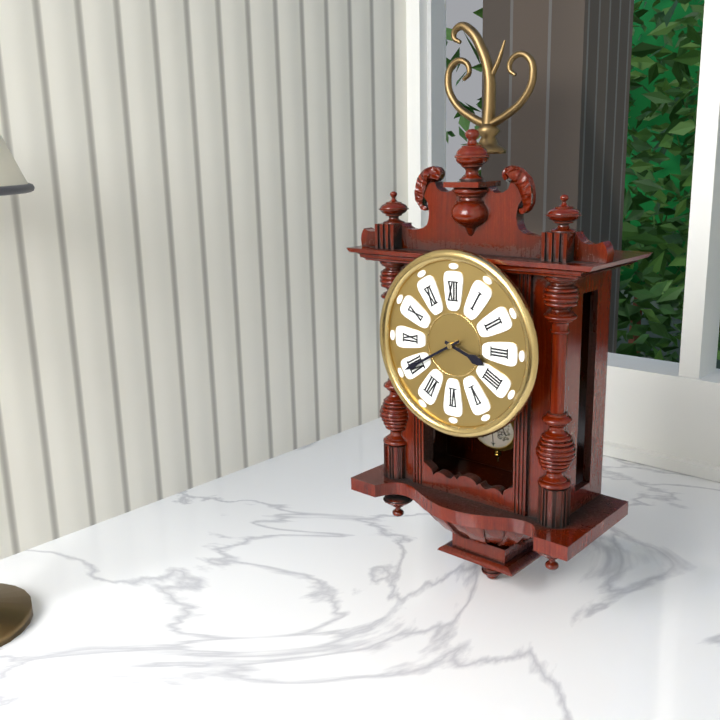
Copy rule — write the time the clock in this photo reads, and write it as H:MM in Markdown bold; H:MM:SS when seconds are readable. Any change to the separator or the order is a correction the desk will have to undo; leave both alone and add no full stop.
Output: **3:40**
